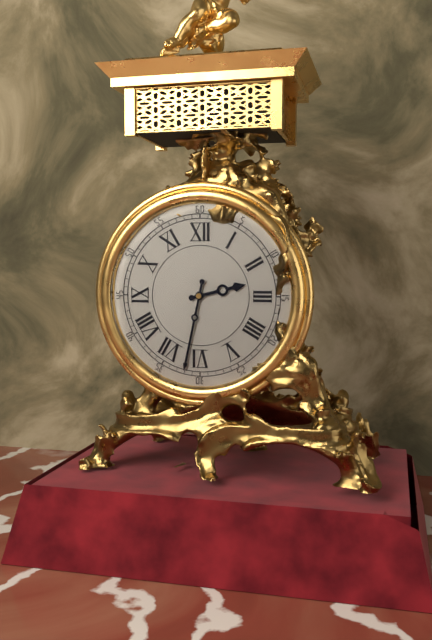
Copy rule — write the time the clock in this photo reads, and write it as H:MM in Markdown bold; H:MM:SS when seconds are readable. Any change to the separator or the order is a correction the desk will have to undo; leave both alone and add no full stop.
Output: **2:32**
